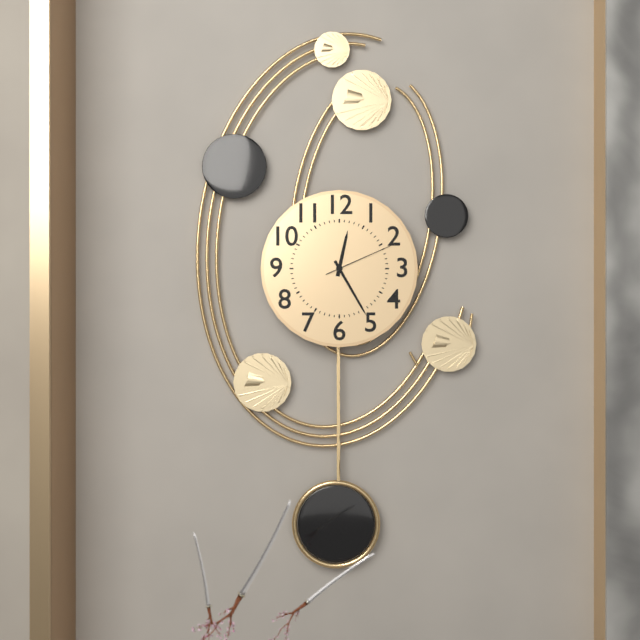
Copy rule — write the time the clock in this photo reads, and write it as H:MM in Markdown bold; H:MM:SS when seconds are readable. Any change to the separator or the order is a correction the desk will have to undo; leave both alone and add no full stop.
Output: **12:25:11**
